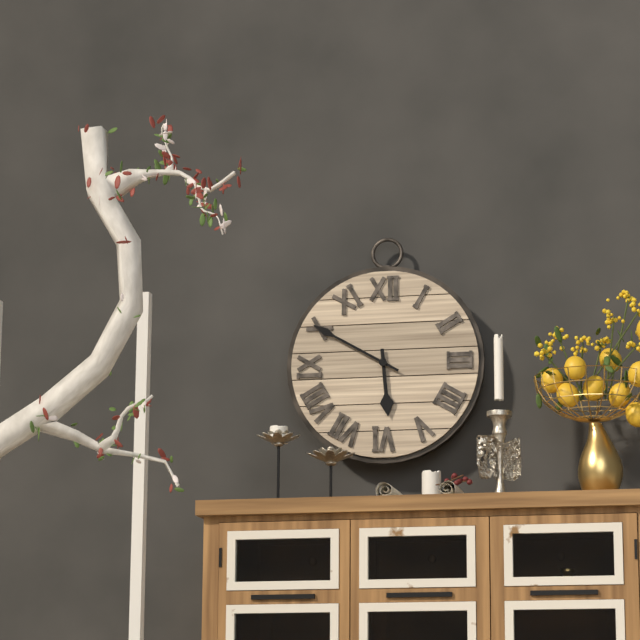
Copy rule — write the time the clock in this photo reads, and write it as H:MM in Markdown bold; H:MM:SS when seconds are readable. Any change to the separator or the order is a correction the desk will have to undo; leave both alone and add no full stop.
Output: **5:50**
